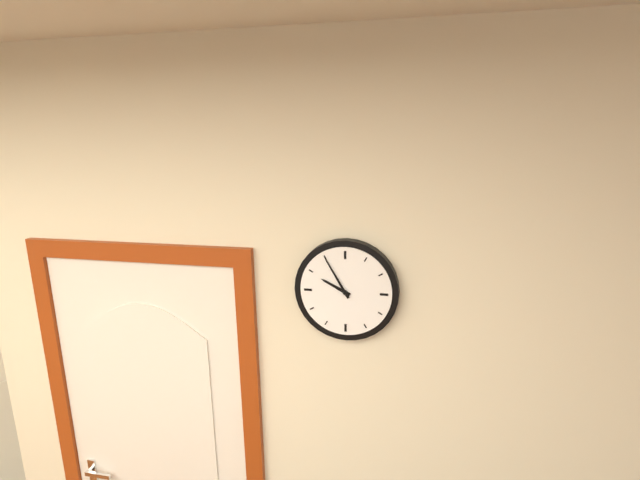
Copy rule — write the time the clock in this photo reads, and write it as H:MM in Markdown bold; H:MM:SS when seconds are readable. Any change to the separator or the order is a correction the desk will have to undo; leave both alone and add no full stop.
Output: **9:55**
